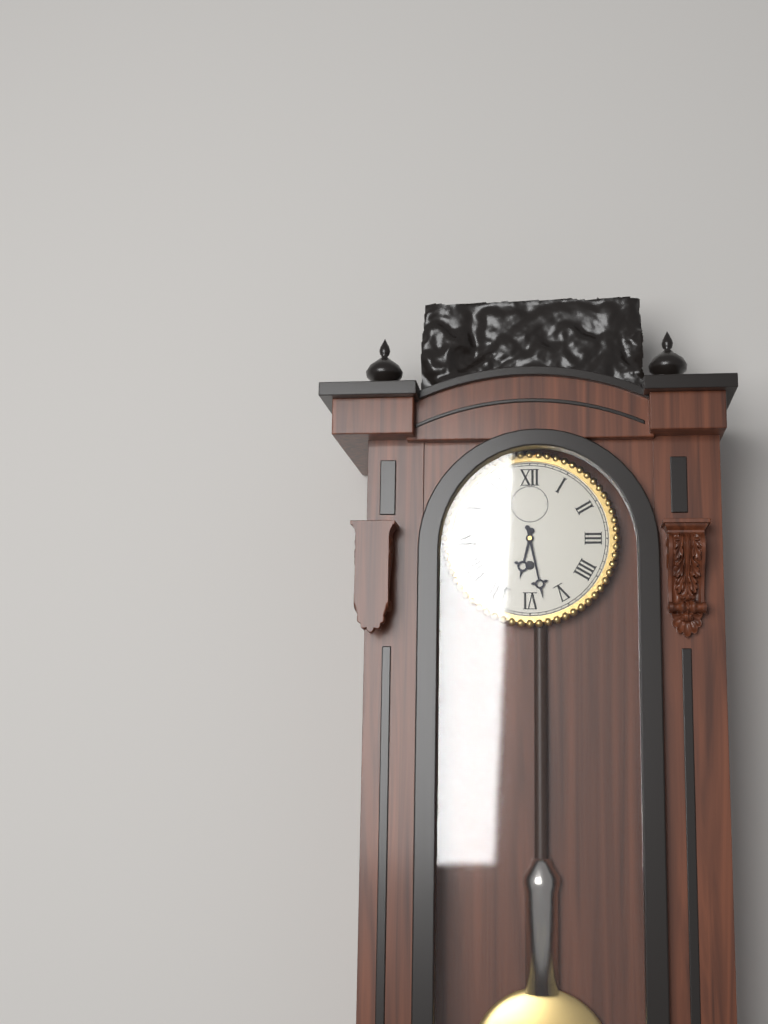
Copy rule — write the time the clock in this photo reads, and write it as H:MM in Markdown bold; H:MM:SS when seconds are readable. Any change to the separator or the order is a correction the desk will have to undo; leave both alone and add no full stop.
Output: **6:28**
